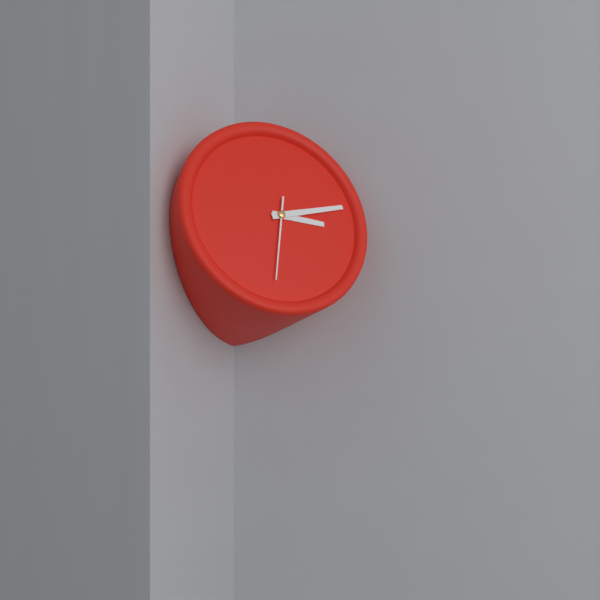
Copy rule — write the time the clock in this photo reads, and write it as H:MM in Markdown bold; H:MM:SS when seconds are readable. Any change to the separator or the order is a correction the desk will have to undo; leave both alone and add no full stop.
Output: **3:13:32**
